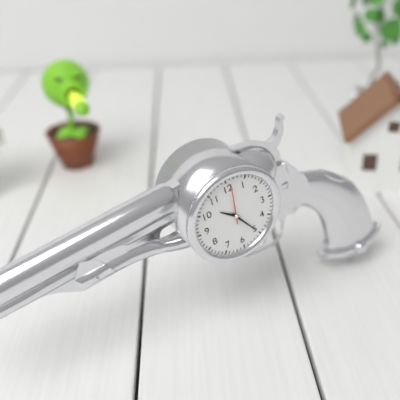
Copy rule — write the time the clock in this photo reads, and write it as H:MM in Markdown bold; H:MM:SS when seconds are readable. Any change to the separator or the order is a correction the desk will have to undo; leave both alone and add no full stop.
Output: **10:25**
